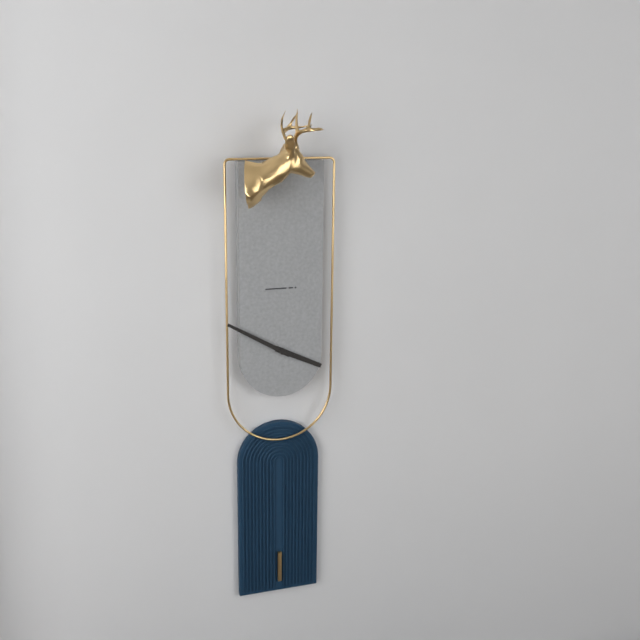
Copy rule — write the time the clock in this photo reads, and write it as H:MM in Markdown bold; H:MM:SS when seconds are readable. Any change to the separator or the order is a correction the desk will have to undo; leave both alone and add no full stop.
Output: **3:50**
